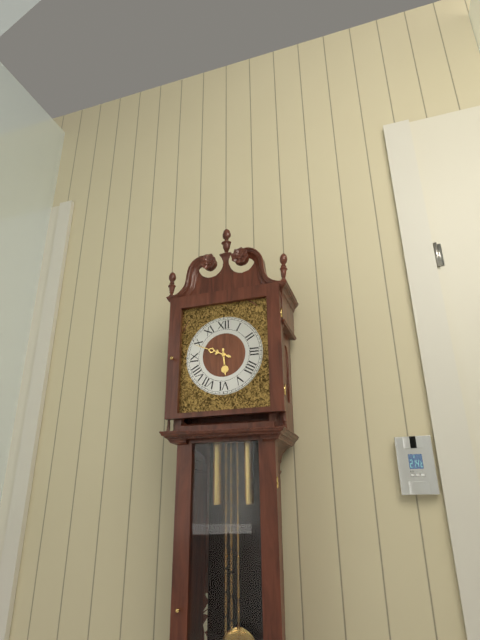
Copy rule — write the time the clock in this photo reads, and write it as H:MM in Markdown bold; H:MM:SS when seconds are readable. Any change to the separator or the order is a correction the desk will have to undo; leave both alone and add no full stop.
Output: **5:49**
